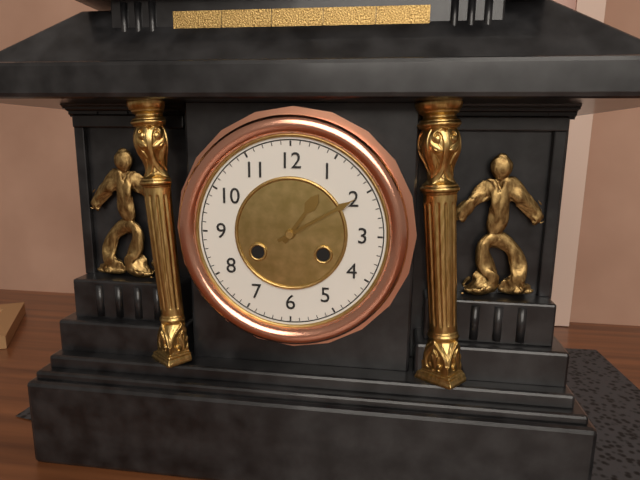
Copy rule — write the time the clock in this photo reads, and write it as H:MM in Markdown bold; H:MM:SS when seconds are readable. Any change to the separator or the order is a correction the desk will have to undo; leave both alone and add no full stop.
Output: **1:10**
